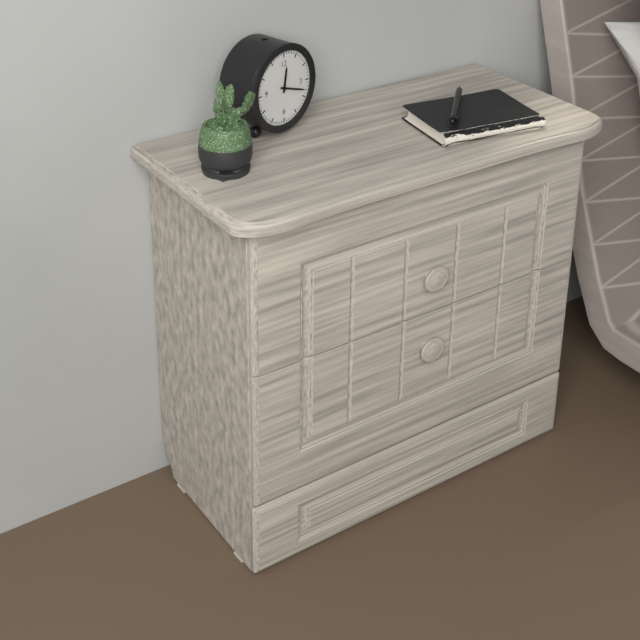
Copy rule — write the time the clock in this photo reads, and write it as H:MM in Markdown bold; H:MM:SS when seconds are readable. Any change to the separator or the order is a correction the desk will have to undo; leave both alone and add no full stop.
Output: **12:18**
